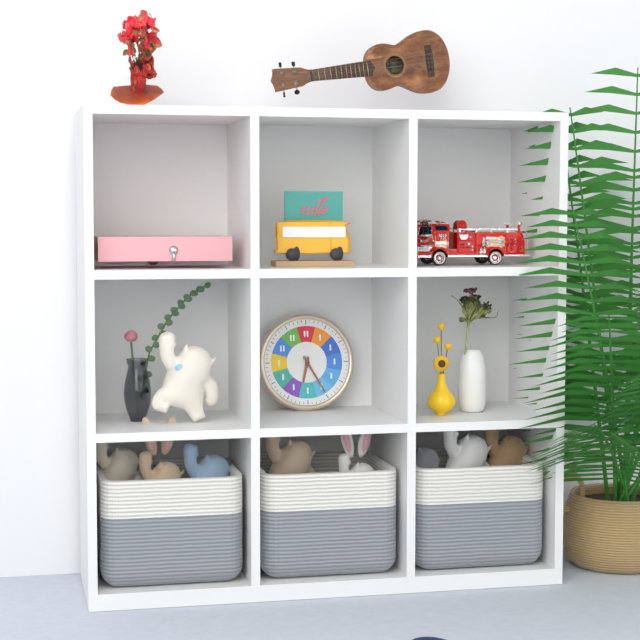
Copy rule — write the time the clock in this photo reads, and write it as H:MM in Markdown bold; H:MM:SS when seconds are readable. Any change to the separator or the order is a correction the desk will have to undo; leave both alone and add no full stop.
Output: **6:25**
